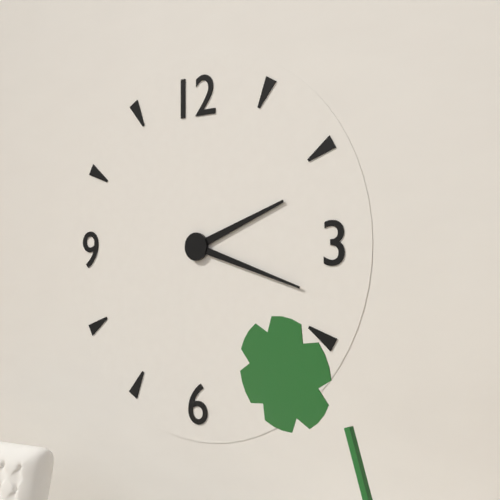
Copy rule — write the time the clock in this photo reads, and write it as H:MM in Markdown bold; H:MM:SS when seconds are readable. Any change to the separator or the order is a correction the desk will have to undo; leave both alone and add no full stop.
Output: **2:18**
